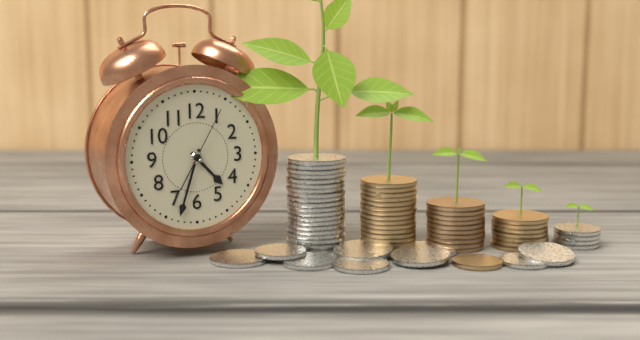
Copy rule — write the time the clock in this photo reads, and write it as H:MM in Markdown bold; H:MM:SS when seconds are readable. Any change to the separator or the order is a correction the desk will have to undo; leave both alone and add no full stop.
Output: **4:33:05**
